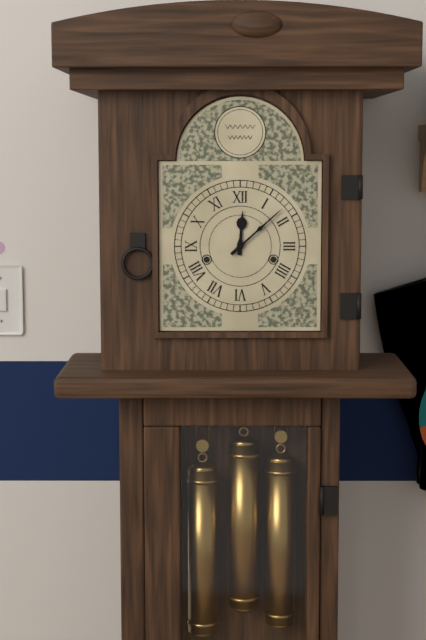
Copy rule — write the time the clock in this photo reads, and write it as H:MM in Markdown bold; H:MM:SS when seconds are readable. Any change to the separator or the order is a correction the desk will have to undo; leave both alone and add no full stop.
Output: **12:08**
